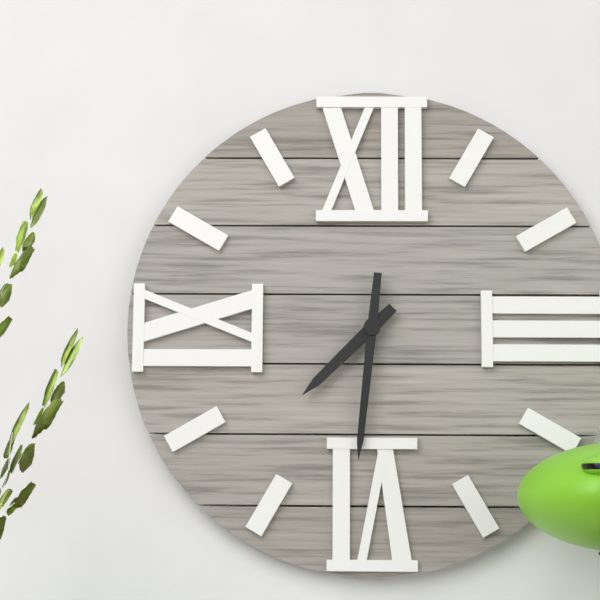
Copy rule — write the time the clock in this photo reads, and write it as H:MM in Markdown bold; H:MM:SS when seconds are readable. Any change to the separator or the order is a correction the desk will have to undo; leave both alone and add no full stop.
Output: **7:31**
